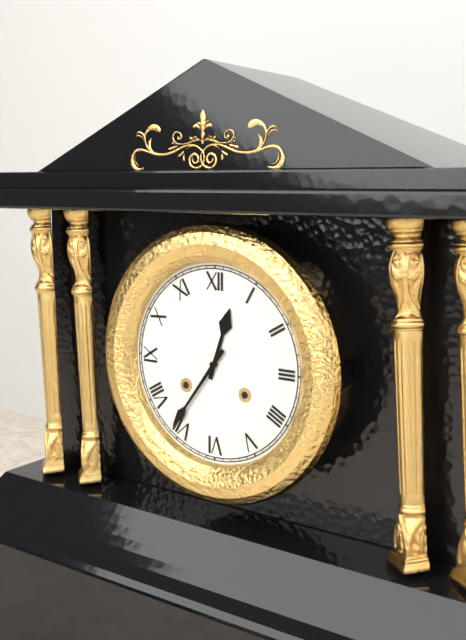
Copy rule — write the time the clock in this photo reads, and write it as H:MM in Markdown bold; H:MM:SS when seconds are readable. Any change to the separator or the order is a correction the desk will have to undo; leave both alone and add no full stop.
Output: **12:36**
